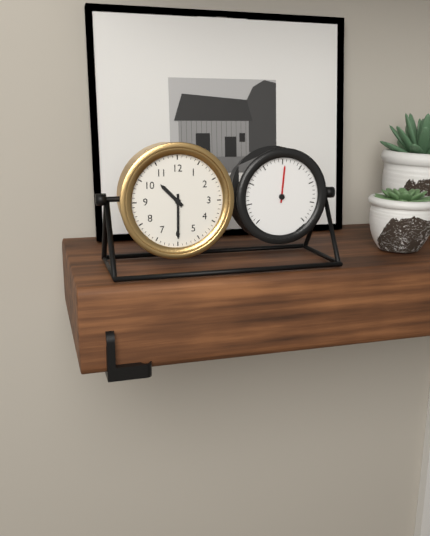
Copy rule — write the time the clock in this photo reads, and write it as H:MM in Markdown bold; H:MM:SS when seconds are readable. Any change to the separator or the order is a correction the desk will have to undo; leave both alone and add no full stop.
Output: **10:30**
